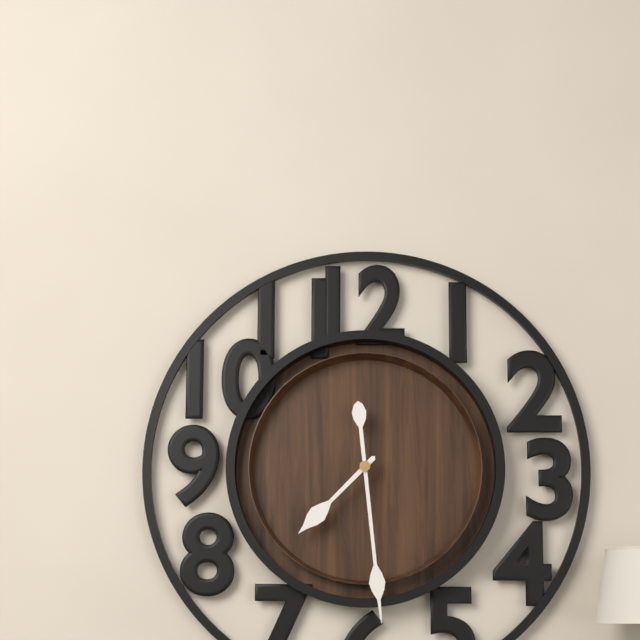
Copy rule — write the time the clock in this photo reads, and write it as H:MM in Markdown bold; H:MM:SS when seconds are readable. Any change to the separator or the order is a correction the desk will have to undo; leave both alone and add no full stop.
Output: **7:29**
